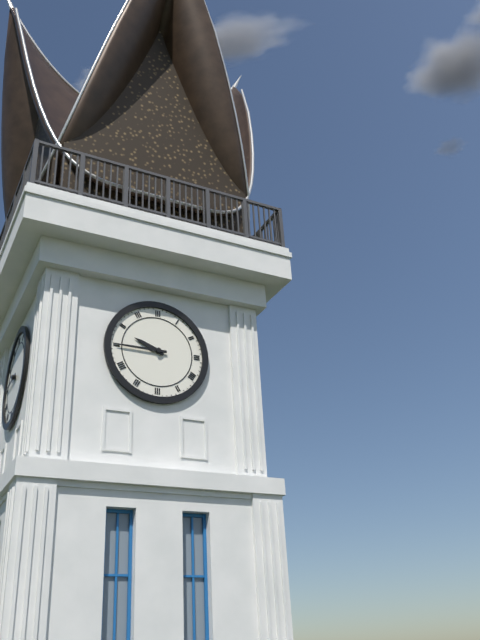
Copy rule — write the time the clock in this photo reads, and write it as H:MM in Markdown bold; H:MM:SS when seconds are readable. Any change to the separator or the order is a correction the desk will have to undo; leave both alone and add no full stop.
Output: **9:45**
